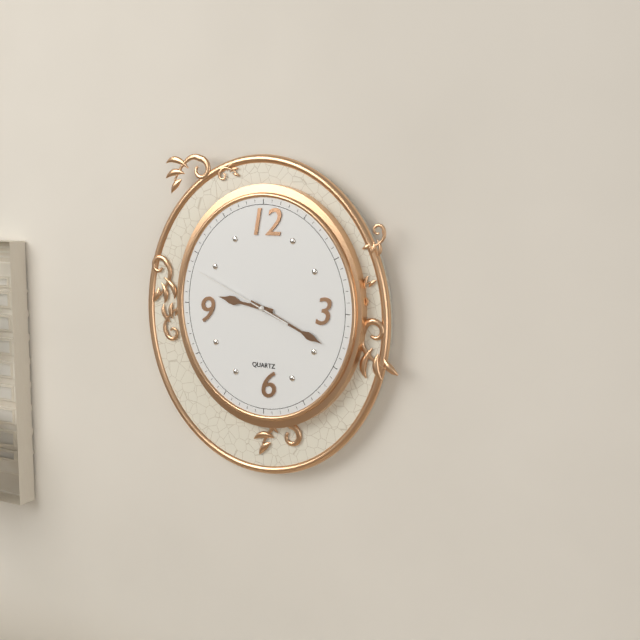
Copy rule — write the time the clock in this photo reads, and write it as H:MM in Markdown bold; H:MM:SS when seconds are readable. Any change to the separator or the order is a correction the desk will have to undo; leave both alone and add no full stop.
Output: **9:19:49**
